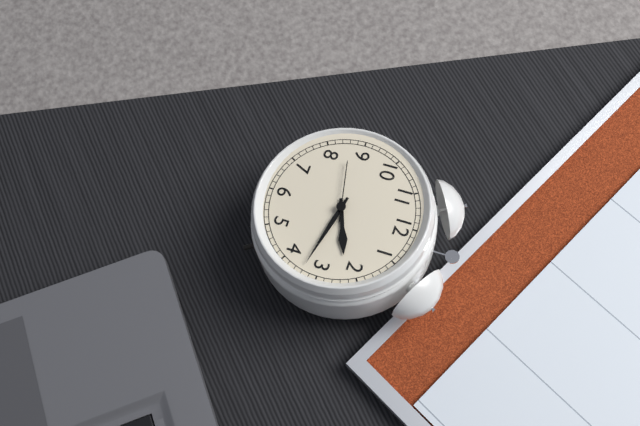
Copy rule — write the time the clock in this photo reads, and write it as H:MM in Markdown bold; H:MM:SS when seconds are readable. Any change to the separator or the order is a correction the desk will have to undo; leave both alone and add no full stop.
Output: **2:17:43**
